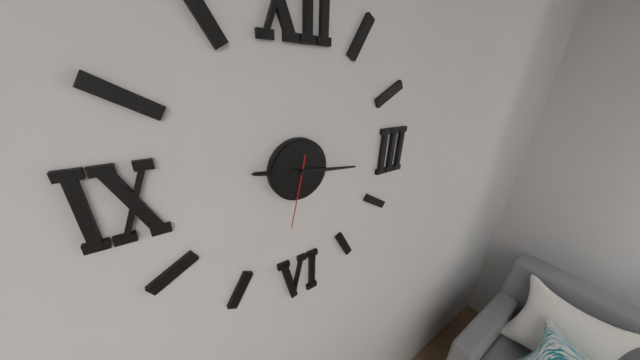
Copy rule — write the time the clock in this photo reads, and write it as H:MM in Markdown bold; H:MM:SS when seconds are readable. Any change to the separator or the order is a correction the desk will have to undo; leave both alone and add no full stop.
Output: **9:16:32**
